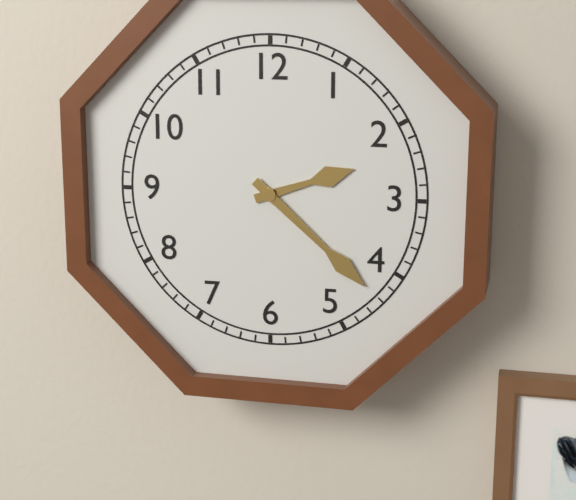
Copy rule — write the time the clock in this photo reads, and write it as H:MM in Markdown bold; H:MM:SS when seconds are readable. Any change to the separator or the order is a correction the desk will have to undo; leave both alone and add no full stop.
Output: **2:22**
